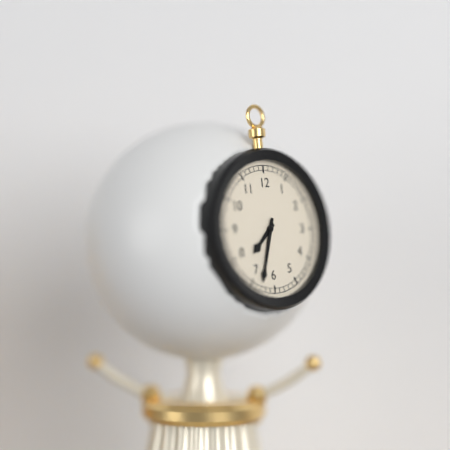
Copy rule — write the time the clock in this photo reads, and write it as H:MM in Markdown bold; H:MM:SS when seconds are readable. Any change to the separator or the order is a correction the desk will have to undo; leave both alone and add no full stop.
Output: **7:33**
